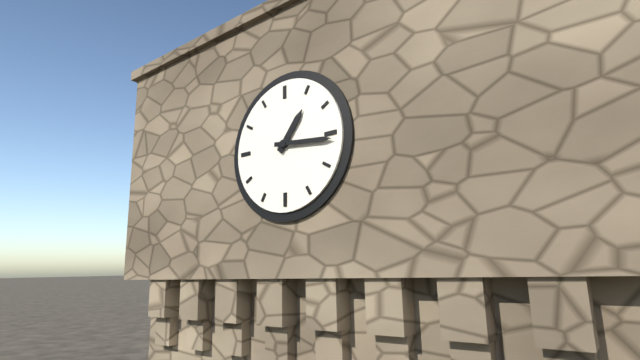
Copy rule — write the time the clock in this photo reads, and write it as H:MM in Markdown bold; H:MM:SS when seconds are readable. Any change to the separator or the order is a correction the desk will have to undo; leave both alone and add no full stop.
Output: **1:16**
